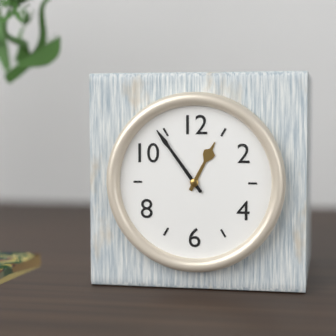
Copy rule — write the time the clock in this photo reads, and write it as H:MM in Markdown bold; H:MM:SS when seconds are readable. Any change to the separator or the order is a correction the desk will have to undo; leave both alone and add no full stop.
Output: **12:54**
